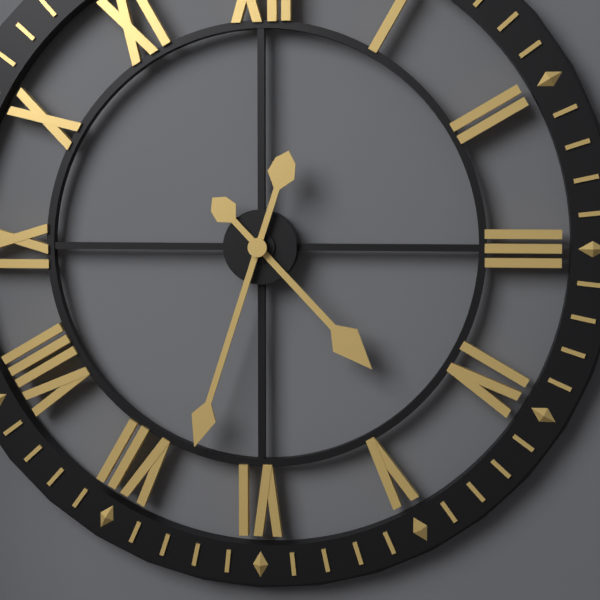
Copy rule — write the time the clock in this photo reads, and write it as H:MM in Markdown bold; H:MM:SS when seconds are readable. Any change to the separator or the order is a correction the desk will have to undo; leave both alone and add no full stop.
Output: **4:33**
